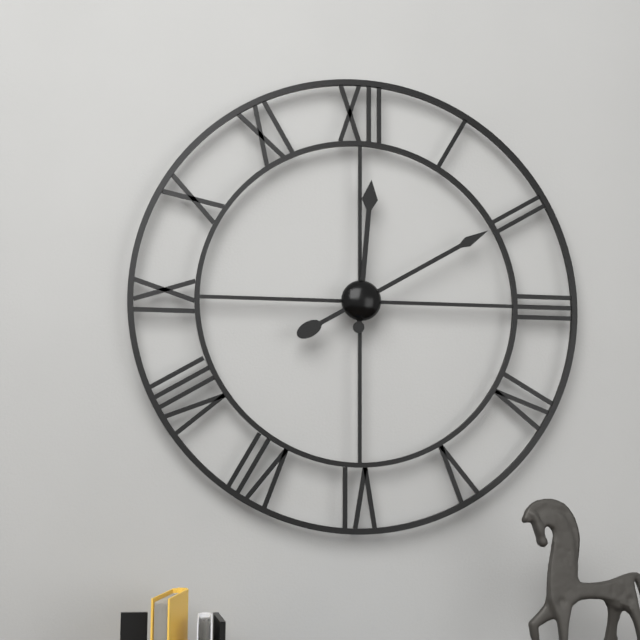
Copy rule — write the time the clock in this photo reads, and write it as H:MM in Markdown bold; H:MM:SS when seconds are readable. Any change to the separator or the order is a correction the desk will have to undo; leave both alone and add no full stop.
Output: **12:10**
